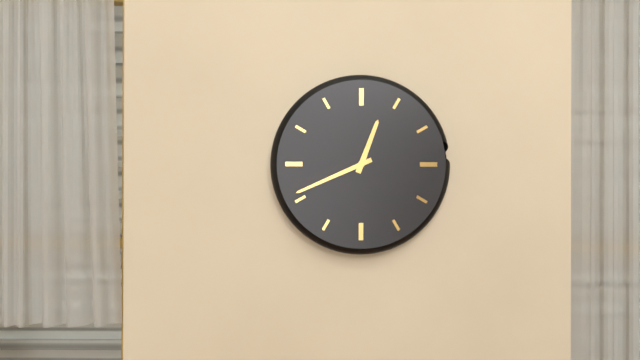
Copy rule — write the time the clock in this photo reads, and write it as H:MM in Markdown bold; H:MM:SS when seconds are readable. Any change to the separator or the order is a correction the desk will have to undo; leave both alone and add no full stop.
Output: **12:41**
